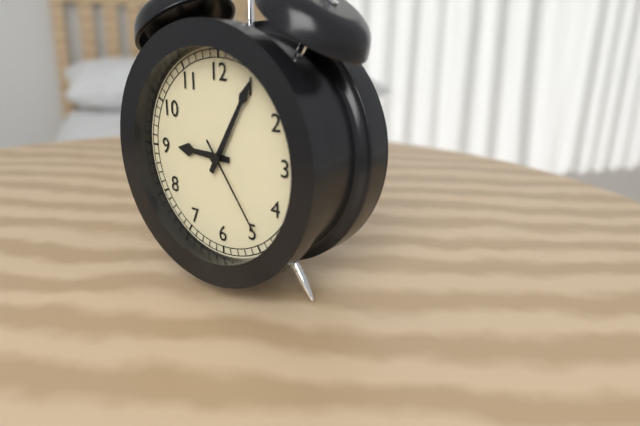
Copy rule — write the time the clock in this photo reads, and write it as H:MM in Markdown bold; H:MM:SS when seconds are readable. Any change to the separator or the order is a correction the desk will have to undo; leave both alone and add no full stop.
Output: **9:05:24**
